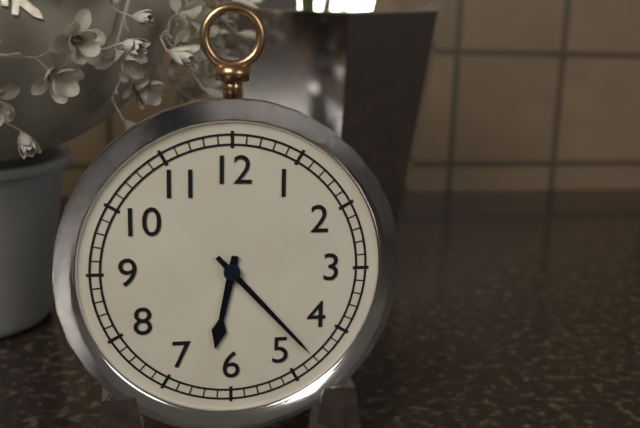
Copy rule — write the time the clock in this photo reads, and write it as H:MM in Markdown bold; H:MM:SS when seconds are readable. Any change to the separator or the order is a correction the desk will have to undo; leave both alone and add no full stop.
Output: **6:23**
